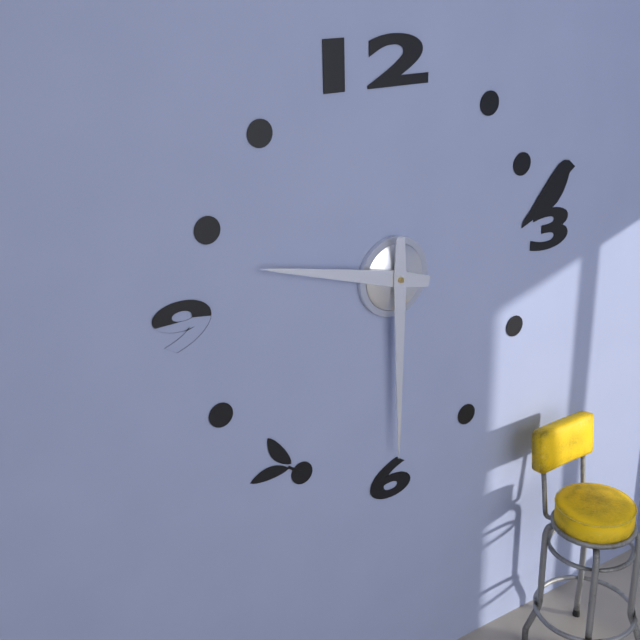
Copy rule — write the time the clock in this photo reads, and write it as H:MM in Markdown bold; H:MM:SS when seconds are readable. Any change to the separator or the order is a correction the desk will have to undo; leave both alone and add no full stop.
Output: **9:30**
